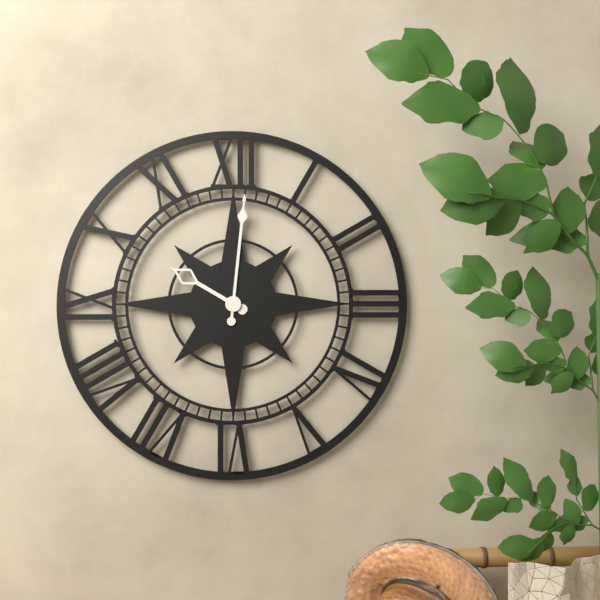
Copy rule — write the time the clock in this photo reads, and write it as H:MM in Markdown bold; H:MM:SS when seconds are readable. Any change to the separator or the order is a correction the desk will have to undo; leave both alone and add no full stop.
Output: **10:01**
